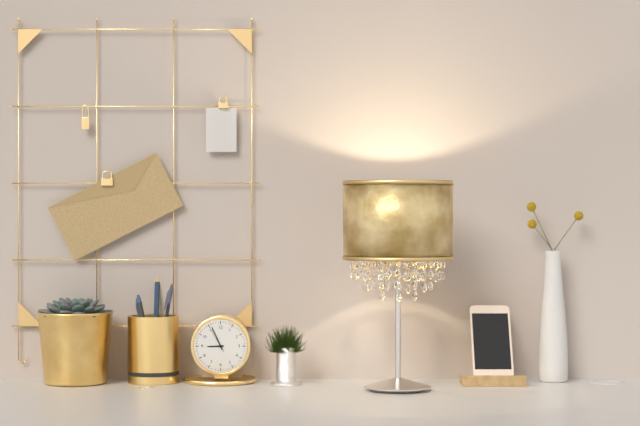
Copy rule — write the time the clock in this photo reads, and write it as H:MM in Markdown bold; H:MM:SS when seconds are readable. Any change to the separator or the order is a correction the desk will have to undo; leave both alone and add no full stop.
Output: **8:56**
